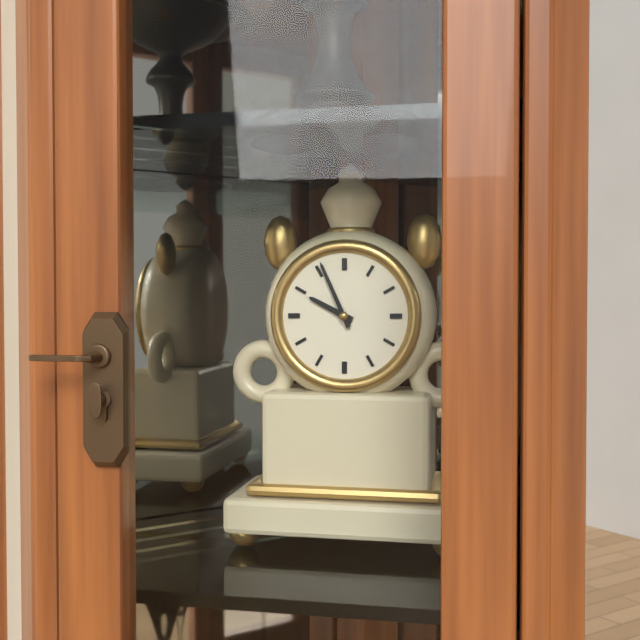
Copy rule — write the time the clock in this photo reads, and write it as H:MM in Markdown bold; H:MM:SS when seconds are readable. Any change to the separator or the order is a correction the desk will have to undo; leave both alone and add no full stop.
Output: **9:56**
